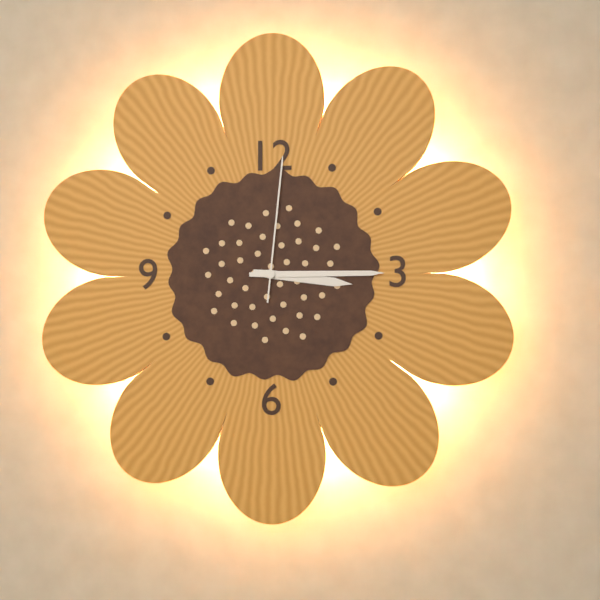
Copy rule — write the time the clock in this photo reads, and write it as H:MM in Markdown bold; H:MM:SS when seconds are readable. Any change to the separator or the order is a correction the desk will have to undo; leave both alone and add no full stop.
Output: **3:15:01**
